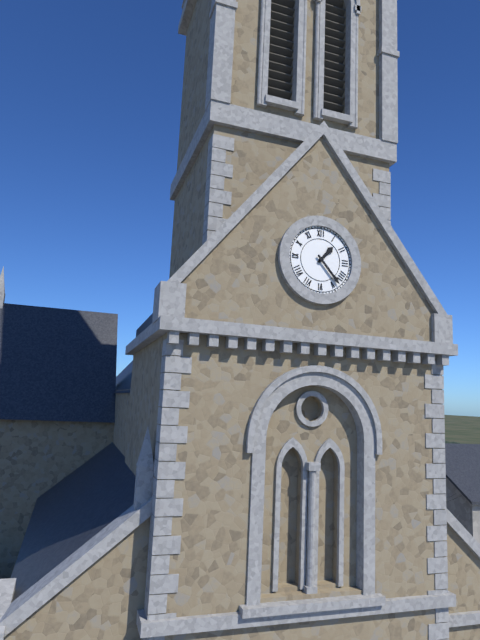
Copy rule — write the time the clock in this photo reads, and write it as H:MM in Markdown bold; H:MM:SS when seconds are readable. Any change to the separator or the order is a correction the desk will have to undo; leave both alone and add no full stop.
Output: **1:23**
